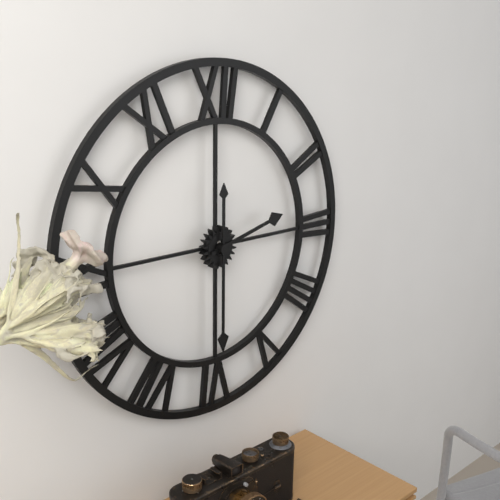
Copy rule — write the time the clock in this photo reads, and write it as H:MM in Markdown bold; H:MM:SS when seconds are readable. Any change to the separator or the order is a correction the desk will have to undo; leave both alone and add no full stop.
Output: **2:30**
